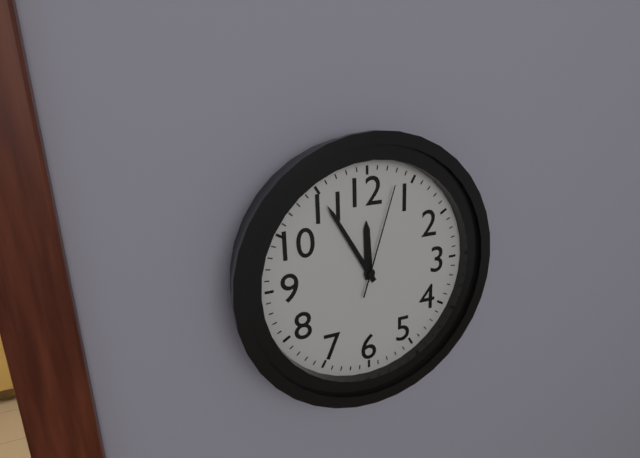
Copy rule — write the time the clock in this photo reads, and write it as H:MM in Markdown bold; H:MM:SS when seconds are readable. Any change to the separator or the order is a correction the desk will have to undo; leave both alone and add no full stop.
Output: **11:55:03**
